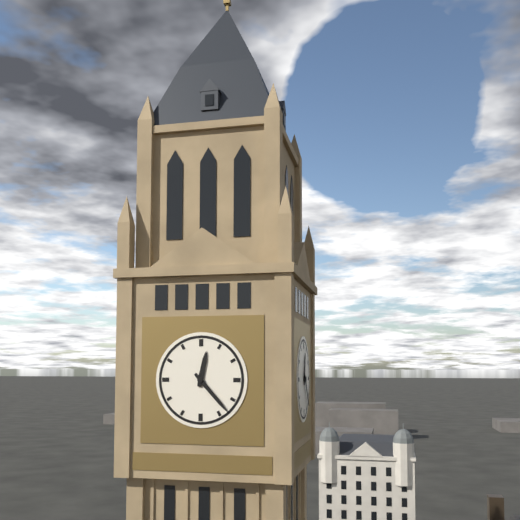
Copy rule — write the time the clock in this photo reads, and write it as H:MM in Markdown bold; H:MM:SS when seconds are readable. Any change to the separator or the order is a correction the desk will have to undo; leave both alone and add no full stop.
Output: **12:23**
